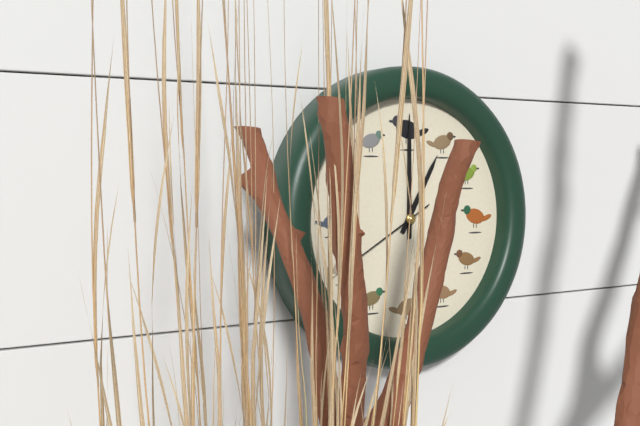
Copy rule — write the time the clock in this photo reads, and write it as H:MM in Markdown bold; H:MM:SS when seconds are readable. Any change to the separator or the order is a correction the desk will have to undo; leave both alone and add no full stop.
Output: **1:00**
